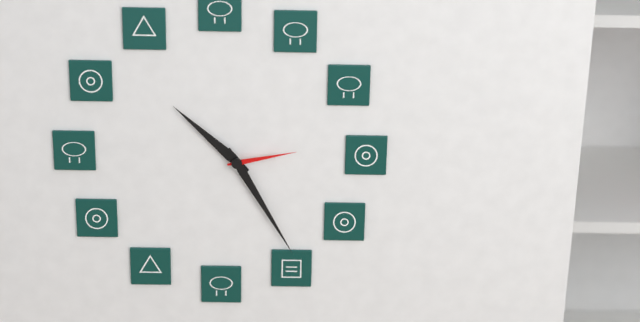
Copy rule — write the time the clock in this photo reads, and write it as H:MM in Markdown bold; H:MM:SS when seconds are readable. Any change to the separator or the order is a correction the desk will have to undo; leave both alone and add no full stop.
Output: **10:25:13**
